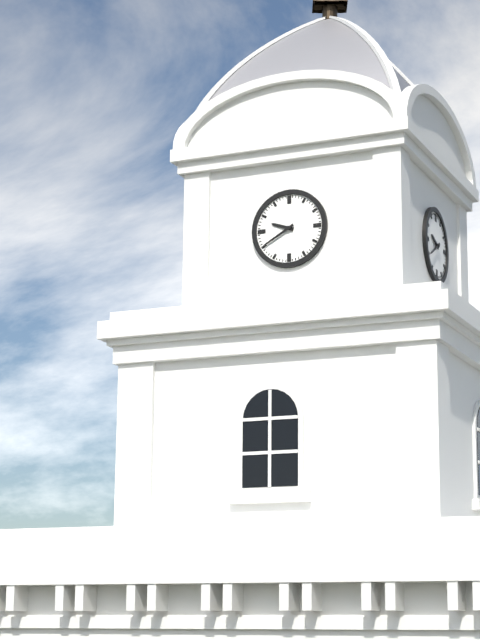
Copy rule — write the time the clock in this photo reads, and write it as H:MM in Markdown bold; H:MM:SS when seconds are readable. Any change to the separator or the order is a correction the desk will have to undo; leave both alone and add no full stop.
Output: **9:40**
